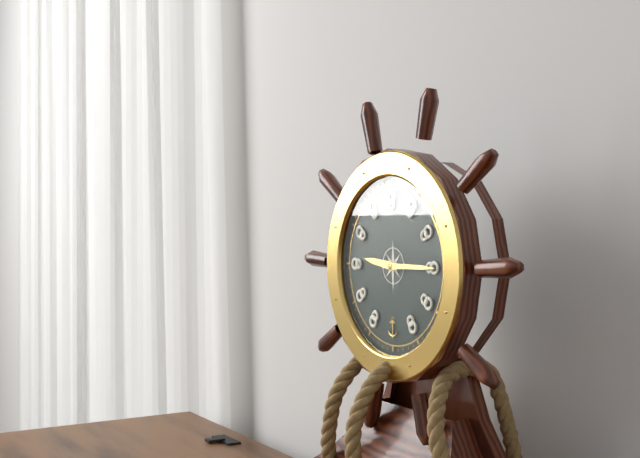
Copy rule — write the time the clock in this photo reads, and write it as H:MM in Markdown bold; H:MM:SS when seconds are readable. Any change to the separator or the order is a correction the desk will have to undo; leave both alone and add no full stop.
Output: **9:15**
